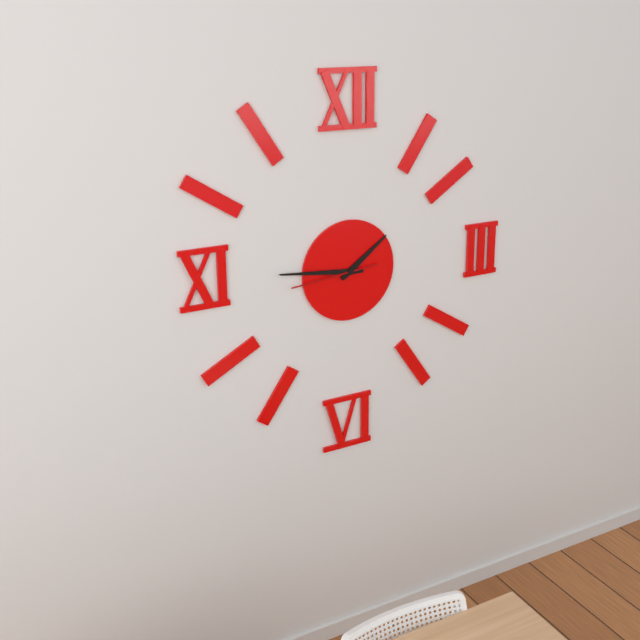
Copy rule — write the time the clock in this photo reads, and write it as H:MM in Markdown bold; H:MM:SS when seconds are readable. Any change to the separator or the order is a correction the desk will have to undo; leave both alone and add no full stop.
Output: **1:46:44**
